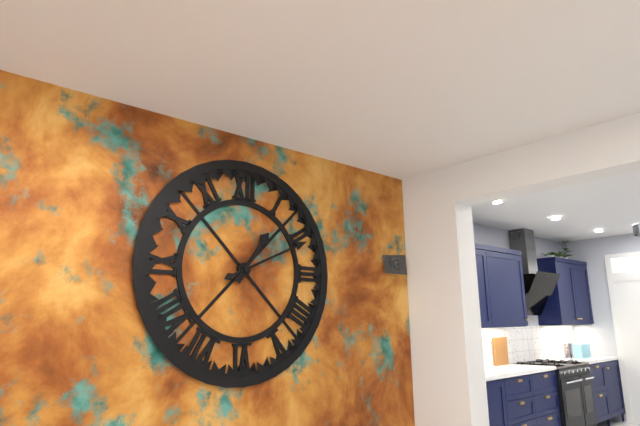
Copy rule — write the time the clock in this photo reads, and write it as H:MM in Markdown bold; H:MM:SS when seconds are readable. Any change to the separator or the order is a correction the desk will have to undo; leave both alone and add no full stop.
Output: **1:11**
